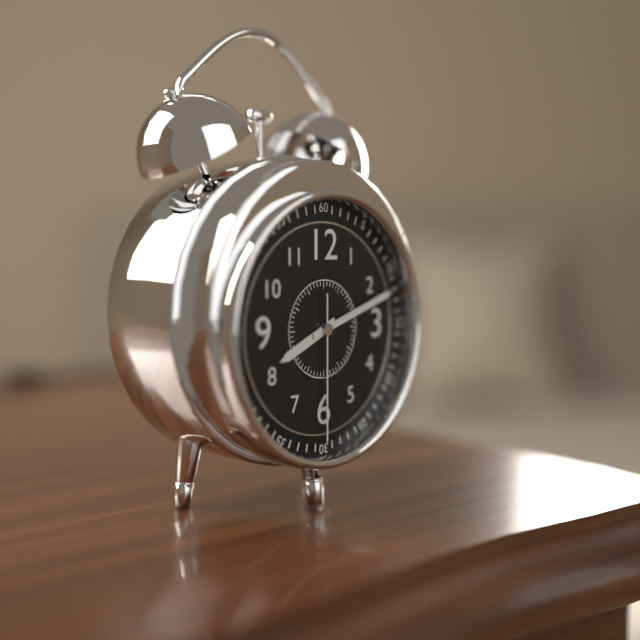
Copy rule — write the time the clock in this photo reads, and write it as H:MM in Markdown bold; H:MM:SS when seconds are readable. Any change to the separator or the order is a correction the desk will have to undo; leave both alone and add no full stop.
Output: **8:12:30**
